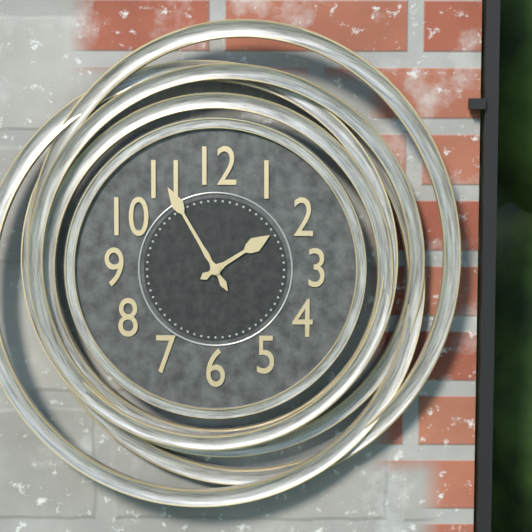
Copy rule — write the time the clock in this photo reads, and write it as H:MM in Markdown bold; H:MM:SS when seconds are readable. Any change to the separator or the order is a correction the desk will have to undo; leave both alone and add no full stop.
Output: **1:55**
